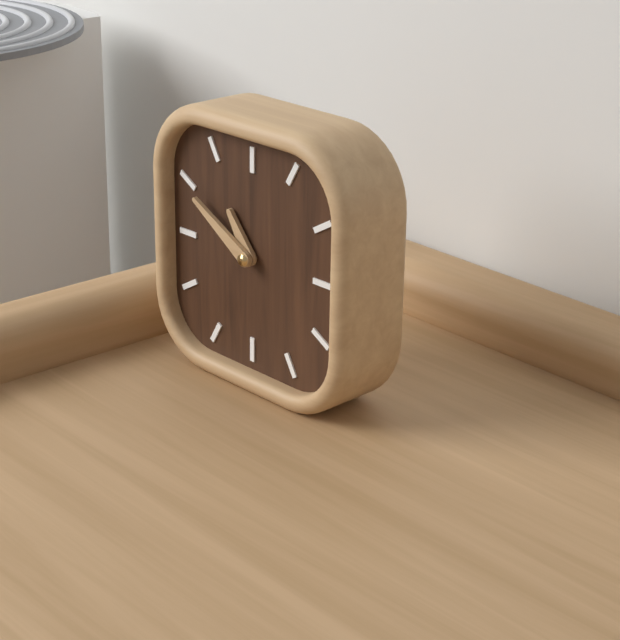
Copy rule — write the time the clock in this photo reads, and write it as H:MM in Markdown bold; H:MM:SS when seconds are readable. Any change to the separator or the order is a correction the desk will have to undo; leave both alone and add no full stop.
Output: **10:50**
